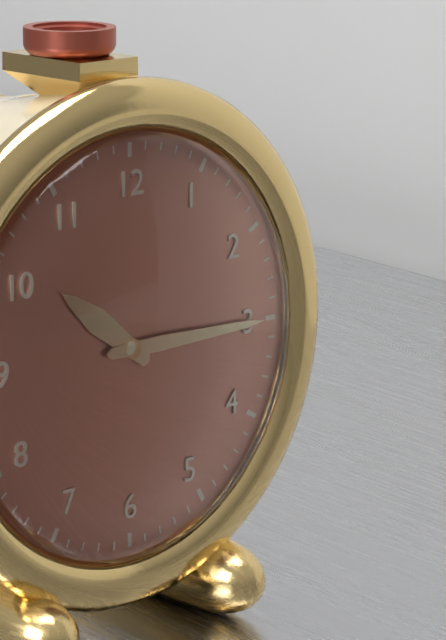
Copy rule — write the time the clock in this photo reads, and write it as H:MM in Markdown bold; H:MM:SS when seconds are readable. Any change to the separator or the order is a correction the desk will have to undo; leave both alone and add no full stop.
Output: **10:15**
